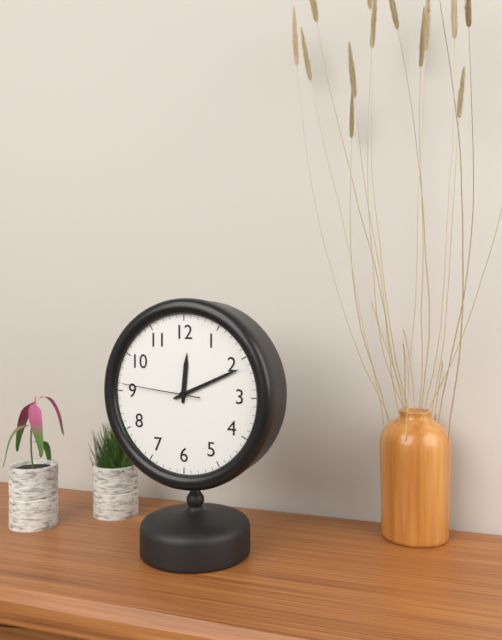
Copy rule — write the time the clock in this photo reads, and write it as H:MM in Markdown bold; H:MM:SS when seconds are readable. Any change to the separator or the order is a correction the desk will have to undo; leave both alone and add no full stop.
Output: **12:11:46**
